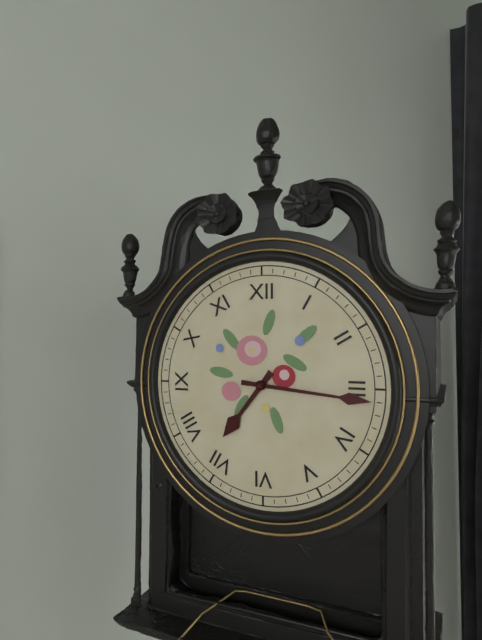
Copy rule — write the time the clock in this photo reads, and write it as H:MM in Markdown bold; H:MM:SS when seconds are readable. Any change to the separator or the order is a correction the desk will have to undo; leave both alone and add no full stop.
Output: **7:16**
